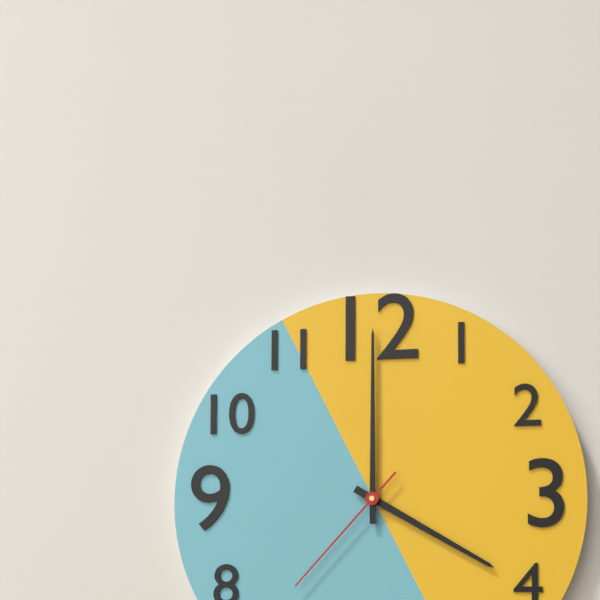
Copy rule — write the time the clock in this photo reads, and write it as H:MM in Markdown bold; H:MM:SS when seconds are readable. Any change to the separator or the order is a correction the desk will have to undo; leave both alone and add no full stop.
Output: **4:00:37**
